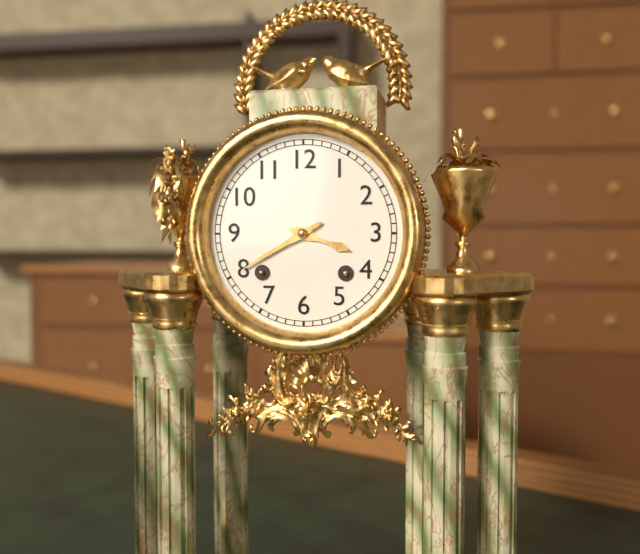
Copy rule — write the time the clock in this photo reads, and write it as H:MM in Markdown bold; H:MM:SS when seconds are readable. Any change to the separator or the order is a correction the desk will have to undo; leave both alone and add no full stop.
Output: **3:40**
